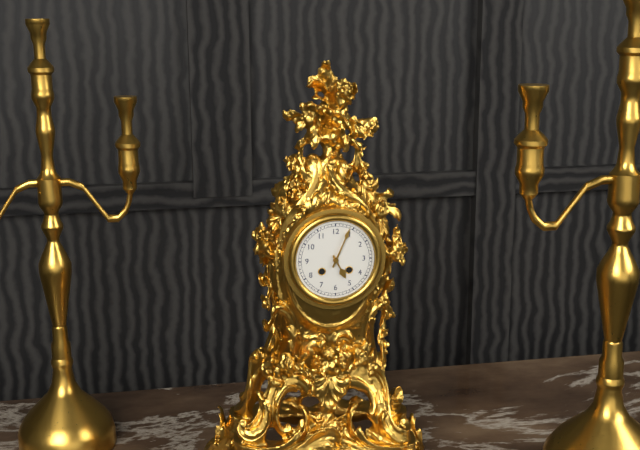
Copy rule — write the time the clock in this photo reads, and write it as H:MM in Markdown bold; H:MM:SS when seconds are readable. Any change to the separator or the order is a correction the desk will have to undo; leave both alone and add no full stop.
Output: **5:04**
